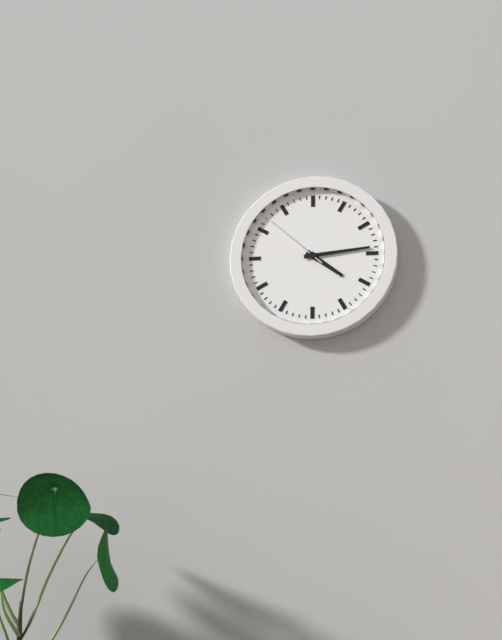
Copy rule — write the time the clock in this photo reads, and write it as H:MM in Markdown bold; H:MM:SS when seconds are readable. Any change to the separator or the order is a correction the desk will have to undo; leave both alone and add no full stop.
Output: **4:14:52**
